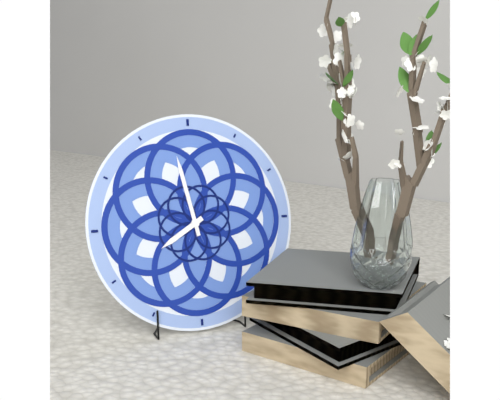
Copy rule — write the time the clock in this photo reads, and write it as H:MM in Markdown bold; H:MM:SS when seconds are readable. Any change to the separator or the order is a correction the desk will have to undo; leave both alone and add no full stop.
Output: **7:58**
